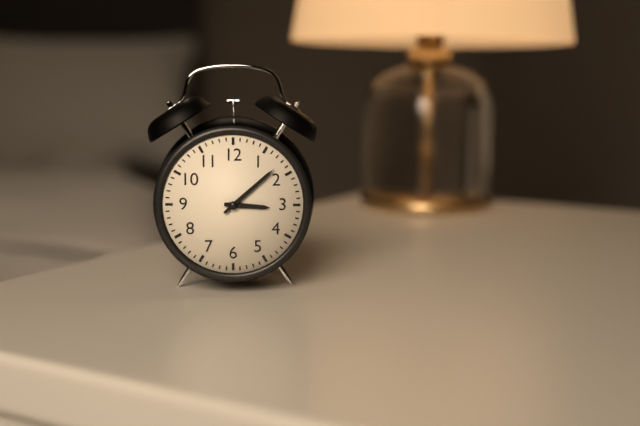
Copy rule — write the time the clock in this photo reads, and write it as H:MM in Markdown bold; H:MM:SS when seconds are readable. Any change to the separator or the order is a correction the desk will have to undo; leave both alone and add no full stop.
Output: **3:08**
